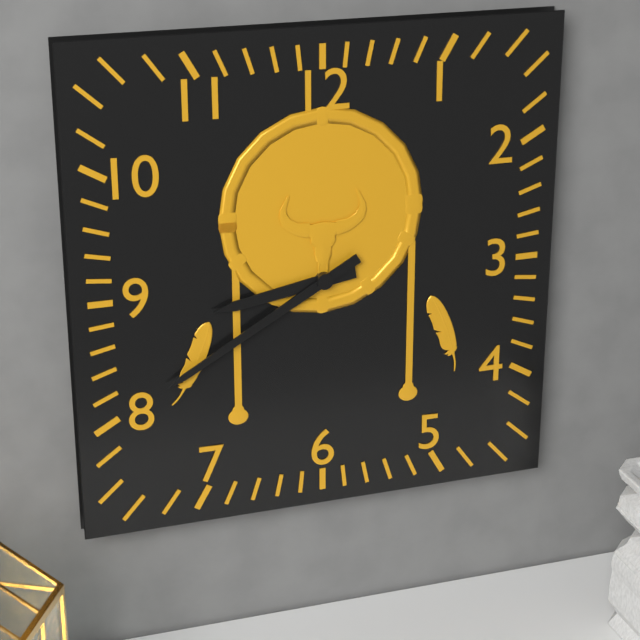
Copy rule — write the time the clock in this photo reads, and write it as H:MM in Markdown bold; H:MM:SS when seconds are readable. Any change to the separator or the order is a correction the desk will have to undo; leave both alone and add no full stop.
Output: **8:40**
